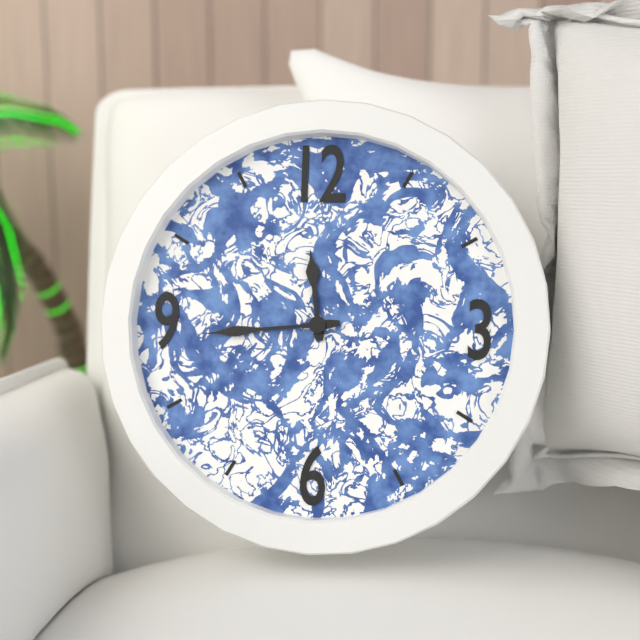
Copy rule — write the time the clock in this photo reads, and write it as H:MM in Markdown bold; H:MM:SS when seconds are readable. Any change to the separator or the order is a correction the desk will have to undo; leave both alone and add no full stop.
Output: **11:44**
